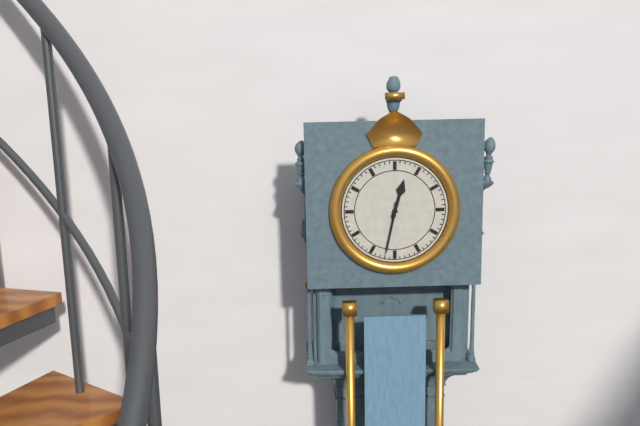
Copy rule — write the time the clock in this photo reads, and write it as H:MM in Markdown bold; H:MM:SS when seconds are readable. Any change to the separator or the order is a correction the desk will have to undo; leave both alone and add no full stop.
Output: **12:32**
